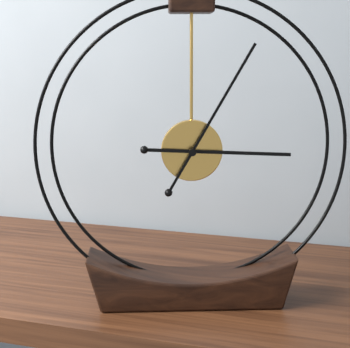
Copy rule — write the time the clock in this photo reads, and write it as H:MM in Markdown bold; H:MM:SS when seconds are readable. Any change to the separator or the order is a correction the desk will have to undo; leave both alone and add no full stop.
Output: **3:05**
